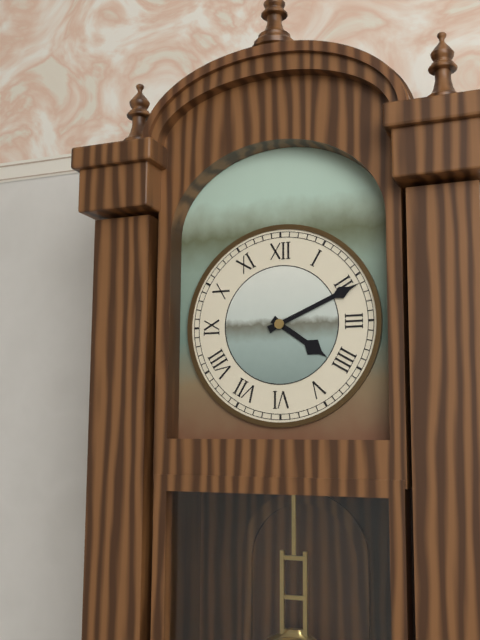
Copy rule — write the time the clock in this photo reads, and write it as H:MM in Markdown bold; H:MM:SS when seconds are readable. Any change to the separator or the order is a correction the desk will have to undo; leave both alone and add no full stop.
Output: **4:11**
